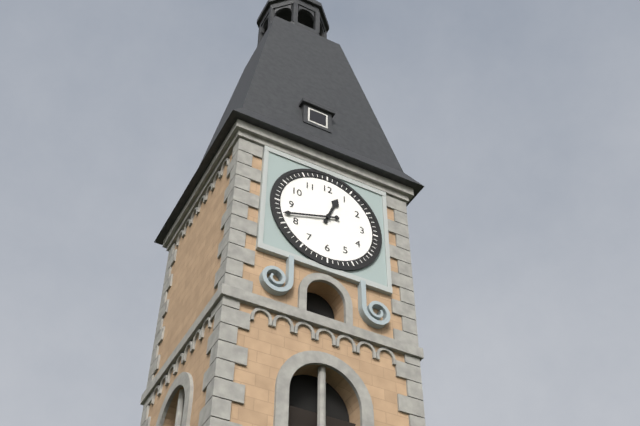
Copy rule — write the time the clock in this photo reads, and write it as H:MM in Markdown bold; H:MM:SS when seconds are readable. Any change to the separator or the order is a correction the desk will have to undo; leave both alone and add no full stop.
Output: **12:42**
